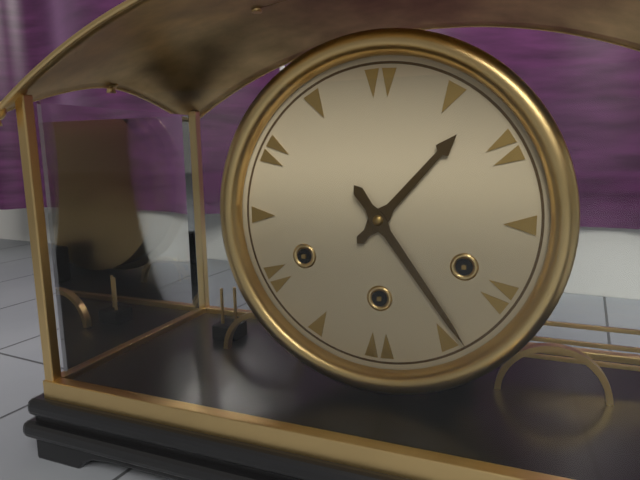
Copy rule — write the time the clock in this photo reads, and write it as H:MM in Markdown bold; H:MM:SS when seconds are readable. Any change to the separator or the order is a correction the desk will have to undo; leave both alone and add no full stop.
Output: **1:24**
